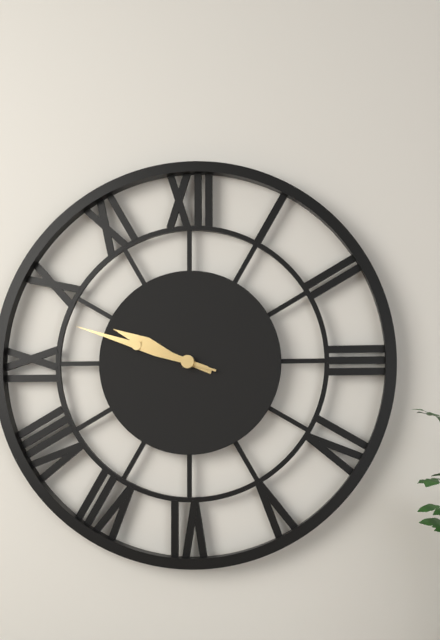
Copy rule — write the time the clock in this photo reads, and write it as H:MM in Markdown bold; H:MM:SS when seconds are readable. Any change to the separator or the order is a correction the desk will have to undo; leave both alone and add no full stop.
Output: **9:48:48**
